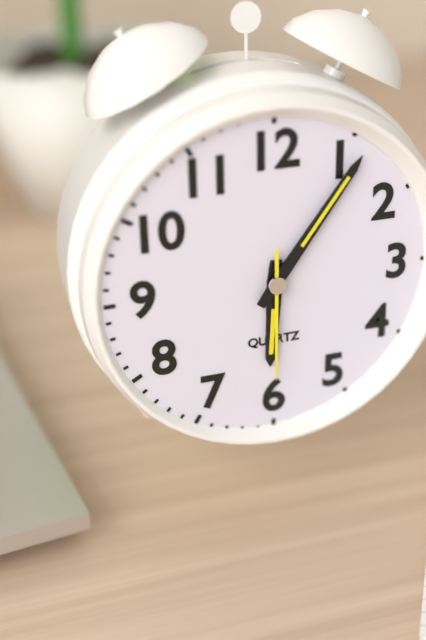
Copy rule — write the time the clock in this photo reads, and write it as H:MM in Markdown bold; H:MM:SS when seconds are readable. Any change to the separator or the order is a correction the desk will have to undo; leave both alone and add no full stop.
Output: **6:06:30**
